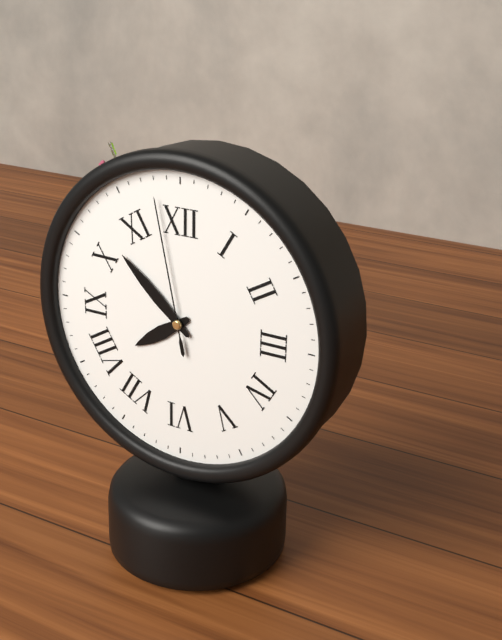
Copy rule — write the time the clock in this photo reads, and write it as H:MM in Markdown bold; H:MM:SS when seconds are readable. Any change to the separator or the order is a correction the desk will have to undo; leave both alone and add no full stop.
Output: **7:52:58**
